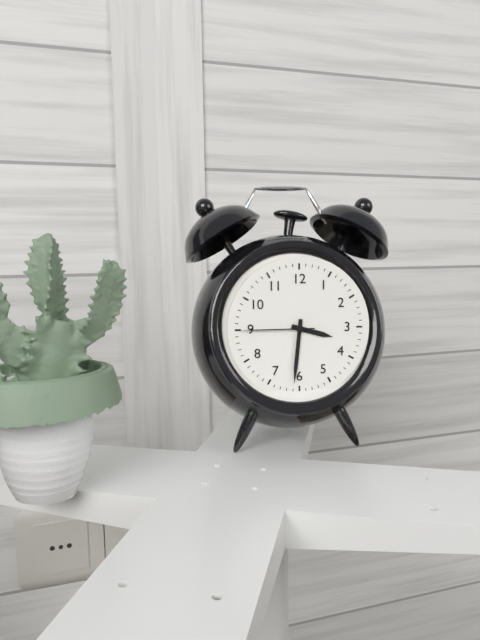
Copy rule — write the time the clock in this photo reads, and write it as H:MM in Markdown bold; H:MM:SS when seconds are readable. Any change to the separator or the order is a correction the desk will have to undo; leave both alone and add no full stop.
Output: **3:31:45**
